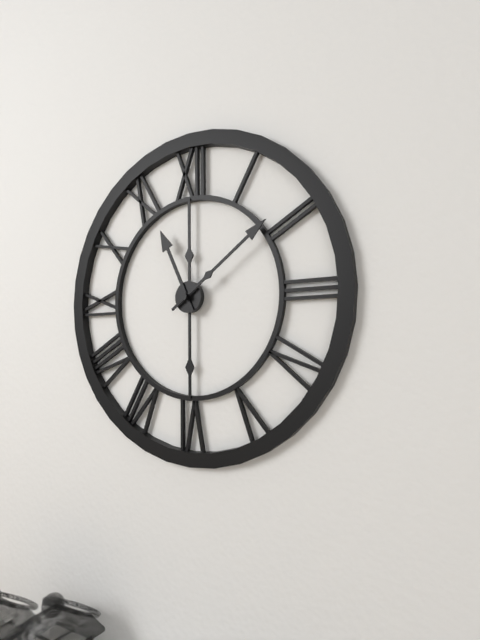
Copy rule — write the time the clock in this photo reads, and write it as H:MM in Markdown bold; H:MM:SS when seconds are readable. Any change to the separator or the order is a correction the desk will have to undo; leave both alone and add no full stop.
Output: **11:09**
